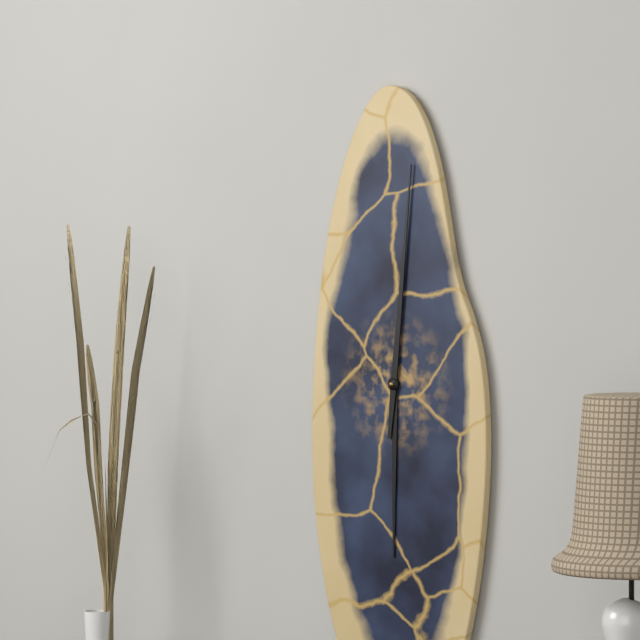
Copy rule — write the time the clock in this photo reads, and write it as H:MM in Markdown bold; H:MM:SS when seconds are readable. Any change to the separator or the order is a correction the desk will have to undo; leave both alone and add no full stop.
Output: **6:01**
